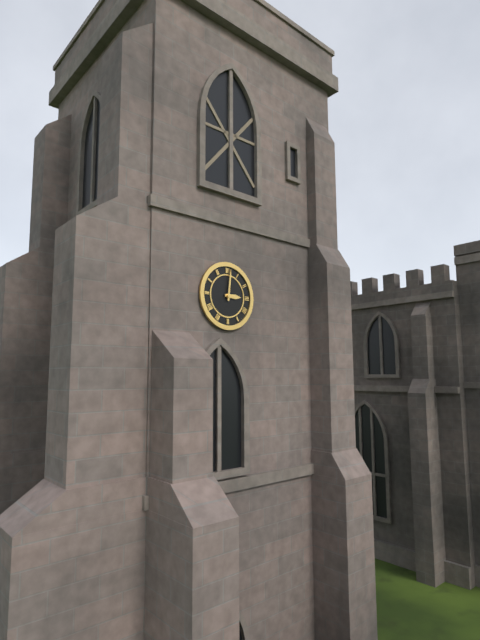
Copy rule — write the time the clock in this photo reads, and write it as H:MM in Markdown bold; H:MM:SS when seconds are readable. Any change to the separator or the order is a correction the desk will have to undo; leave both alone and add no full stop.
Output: **3:01**
